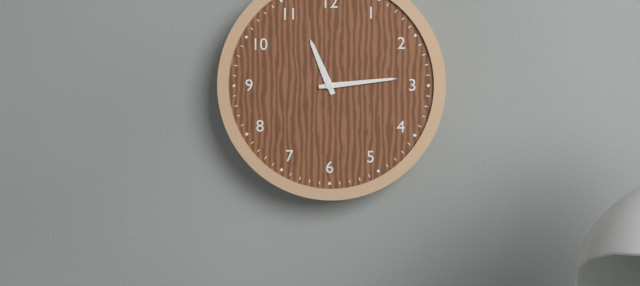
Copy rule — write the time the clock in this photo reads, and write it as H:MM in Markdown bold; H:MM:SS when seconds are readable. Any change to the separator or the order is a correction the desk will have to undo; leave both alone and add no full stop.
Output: **11:14**
